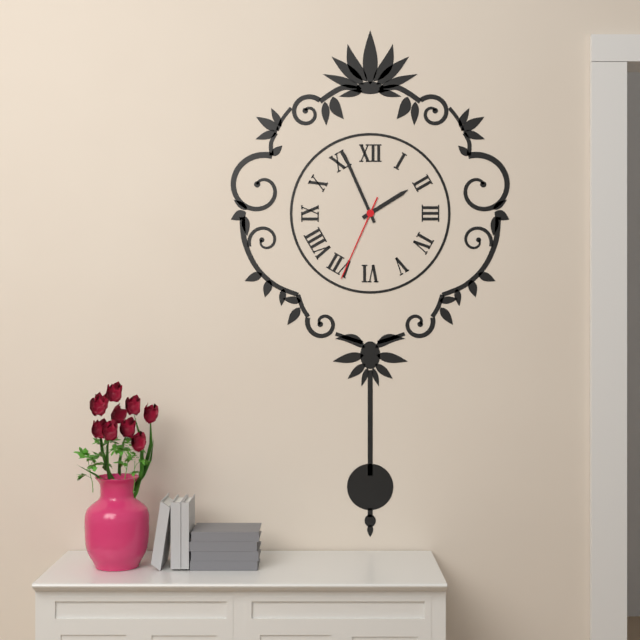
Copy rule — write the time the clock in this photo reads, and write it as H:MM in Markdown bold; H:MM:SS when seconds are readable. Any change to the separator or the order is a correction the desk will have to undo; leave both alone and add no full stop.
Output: **1:56:34**
